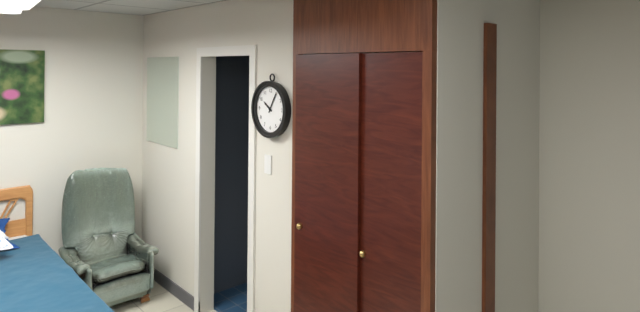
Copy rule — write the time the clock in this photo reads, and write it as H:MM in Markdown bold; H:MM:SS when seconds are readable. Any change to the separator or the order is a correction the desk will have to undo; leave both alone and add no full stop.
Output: **10:05**
